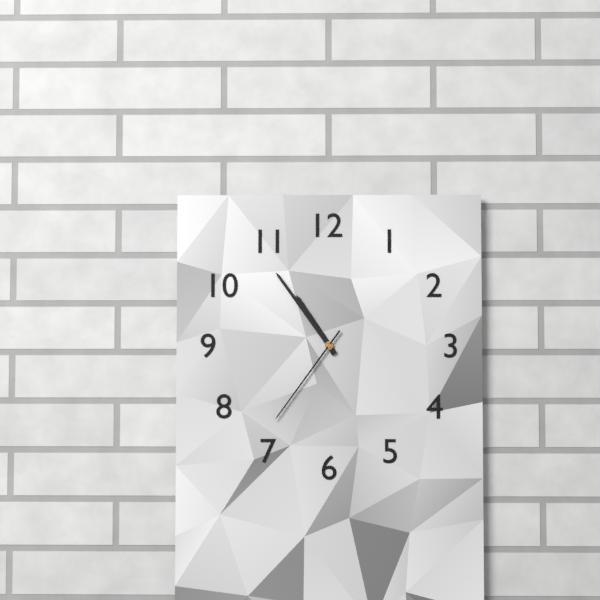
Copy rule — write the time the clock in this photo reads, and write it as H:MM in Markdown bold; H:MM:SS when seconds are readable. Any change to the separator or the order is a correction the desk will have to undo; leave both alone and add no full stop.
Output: **10:54:36**
